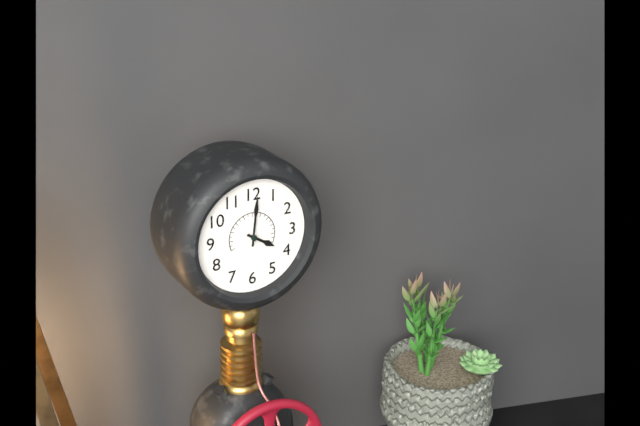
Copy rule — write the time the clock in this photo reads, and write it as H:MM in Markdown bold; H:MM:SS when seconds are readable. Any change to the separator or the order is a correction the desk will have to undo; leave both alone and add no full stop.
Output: **4:01**
